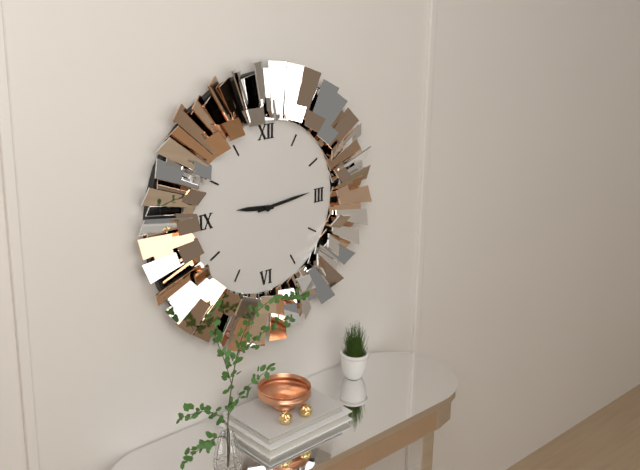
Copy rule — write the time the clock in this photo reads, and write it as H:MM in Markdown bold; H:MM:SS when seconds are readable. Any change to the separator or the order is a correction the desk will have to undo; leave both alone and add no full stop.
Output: **9:14**
